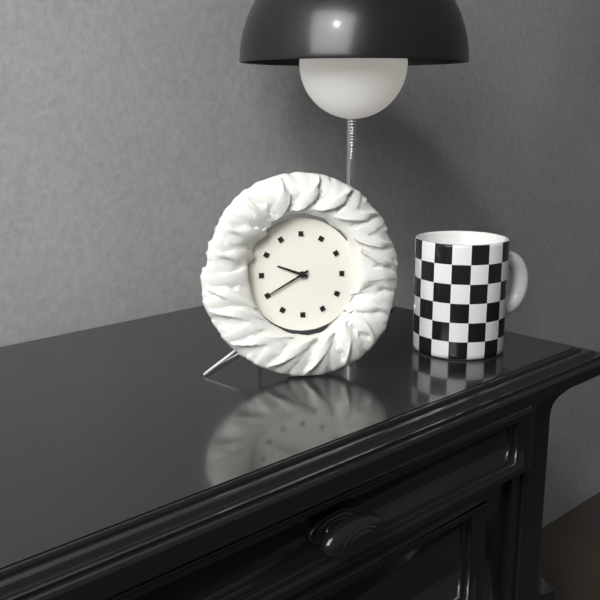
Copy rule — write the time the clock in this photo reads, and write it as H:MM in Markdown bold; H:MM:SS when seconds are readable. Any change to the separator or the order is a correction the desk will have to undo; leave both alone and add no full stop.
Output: **9:40**
